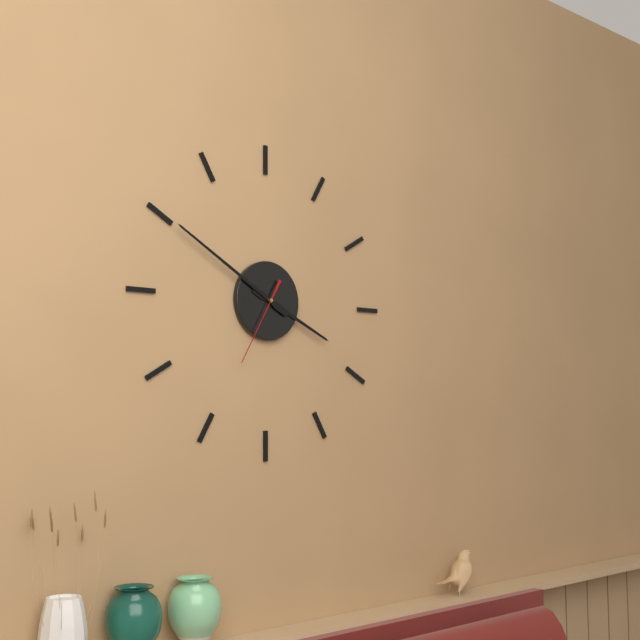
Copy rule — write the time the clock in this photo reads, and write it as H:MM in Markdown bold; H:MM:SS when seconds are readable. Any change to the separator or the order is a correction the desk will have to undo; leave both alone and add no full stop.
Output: **3:50:35**
